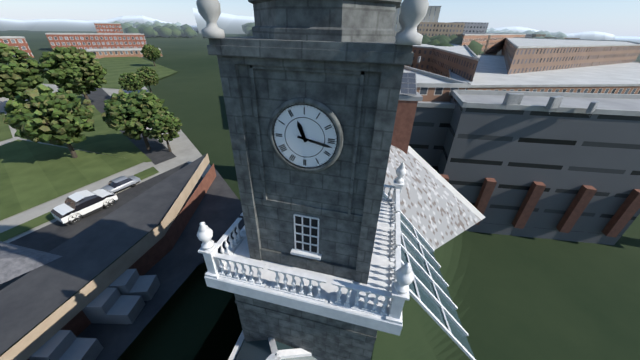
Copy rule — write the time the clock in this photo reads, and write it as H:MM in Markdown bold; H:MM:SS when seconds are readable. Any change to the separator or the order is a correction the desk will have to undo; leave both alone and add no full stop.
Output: **11:17**
